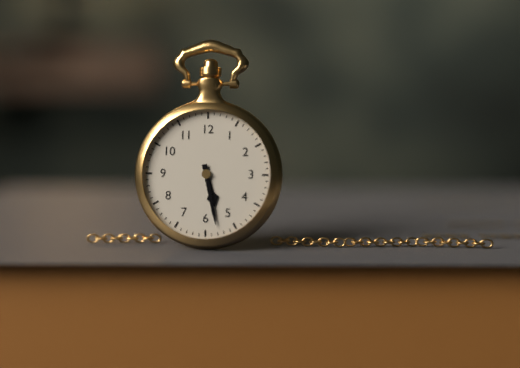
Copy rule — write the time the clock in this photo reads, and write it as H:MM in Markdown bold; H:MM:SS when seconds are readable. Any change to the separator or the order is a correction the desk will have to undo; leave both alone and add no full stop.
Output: **5:28**
